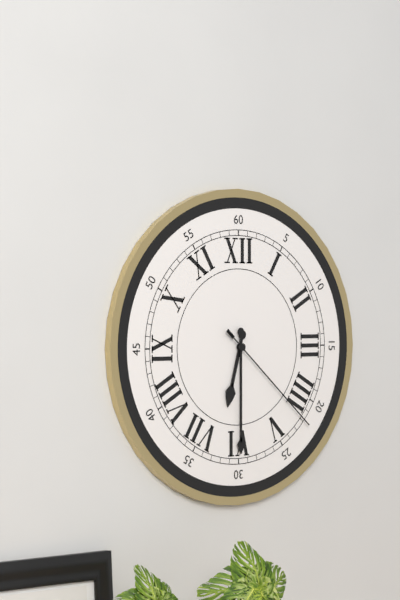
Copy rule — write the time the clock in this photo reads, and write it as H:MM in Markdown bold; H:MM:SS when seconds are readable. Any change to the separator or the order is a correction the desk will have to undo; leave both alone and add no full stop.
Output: **6:30:22**
